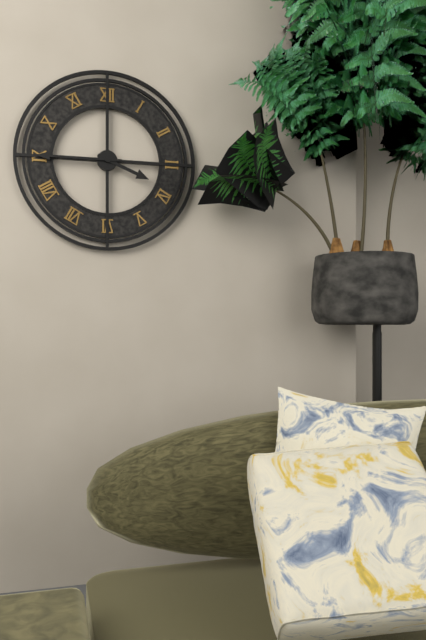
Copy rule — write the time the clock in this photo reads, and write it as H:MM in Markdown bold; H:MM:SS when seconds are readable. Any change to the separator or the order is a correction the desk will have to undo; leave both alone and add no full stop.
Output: **3:45**
